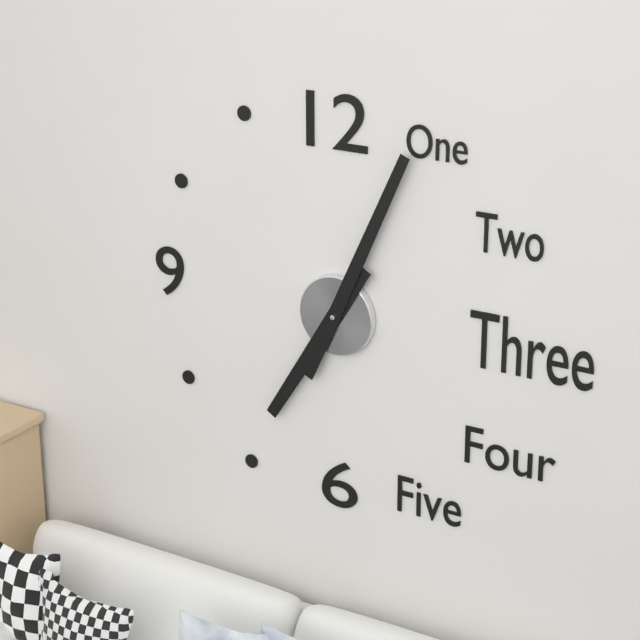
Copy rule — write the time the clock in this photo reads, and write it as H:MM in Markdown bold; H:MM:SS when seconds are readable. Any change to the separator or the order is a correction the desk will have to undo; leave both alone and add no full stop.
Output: **7:04**
